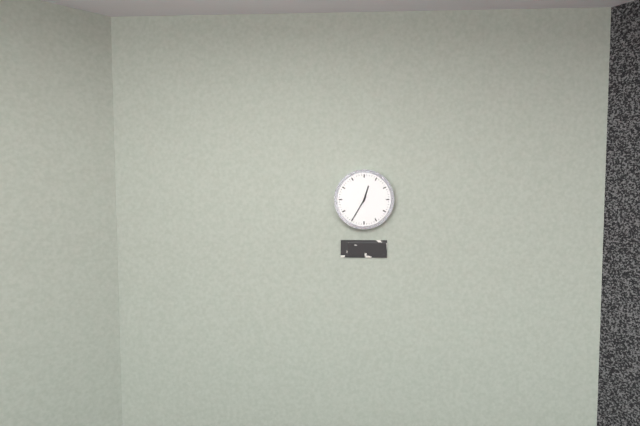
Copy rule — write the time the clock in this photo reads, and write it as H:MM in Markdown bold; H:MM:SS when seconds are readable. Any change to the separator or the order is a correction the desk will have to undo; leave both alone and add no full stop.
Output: **12:35**
